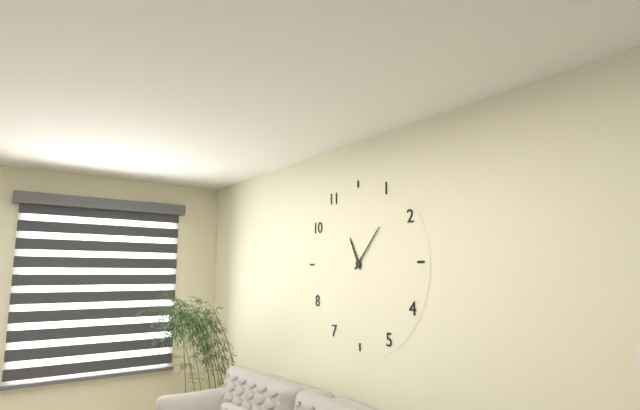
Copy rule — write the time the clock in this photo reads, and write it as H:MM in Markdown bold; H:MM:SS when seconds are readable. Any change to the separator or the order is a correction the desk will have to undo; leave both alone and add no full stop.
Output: **11:07**
